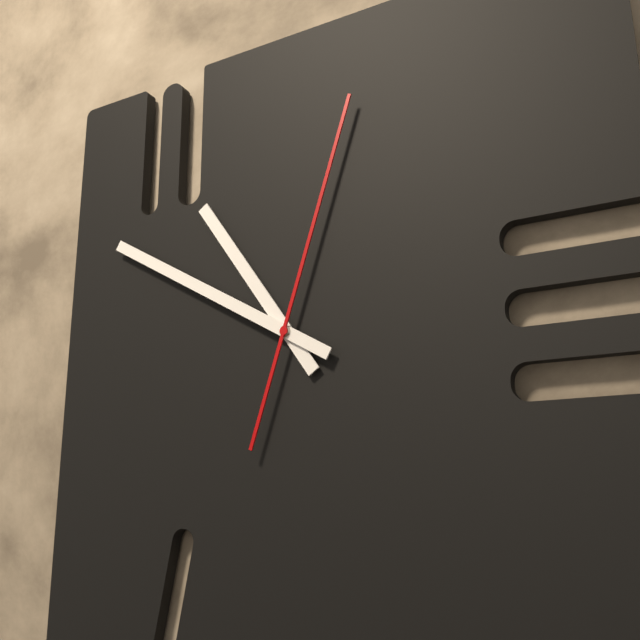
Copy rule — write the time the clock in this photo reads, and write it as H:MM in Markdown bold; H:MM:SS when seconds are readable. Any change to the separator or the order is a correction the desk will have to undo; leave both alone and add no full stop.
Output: **10:50:03**
